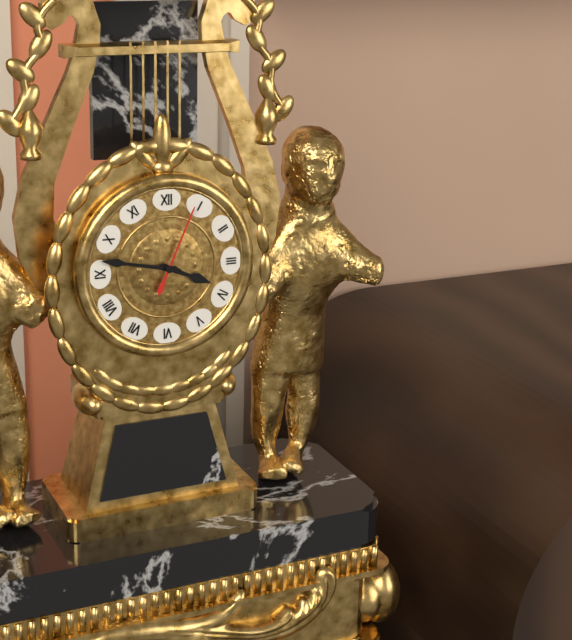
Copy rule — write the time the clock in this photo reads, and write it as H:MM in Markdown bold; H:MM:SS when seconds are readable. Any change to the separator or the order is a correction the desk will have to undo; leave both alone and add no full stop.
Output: **3:47:04**
